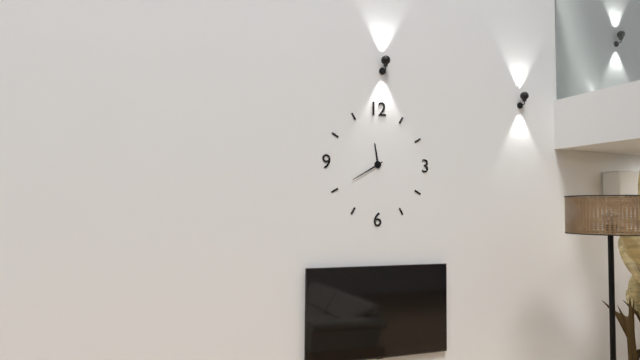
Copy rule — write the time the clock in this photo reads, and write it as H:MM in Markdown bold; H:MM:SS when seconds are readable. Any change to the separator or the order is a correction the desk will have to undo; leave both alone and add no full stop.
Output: **11:40**
